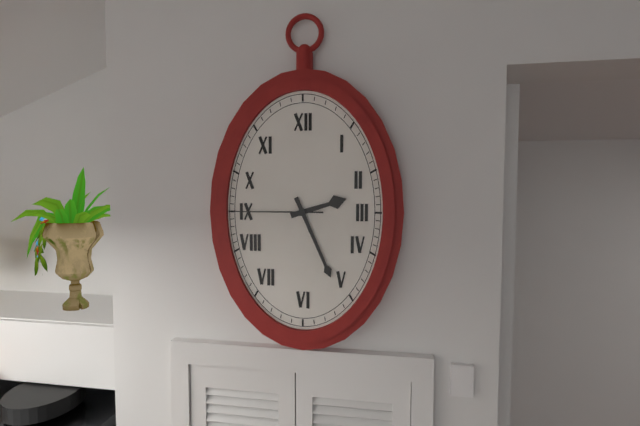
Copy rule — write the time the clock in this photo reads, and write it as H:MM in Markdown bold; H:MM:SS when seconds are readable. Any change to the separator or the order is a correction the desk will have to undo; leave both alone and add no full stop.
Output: **2:26:45**
